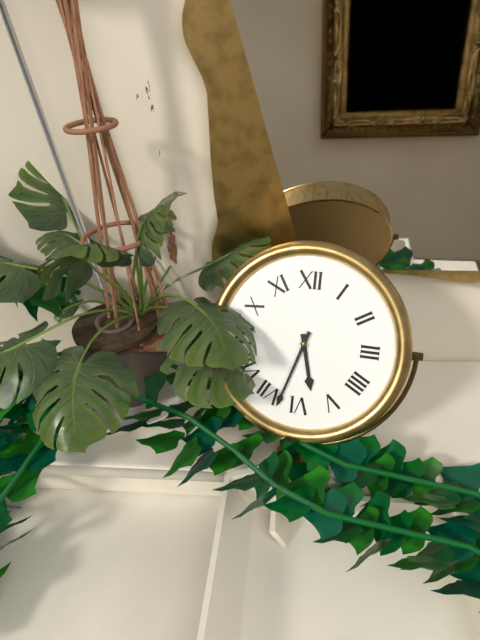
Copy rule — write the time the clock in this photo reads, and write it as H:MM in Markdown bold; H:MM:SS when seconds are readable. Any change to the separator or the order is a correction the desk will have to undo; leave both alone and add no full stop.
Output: **5:33**
